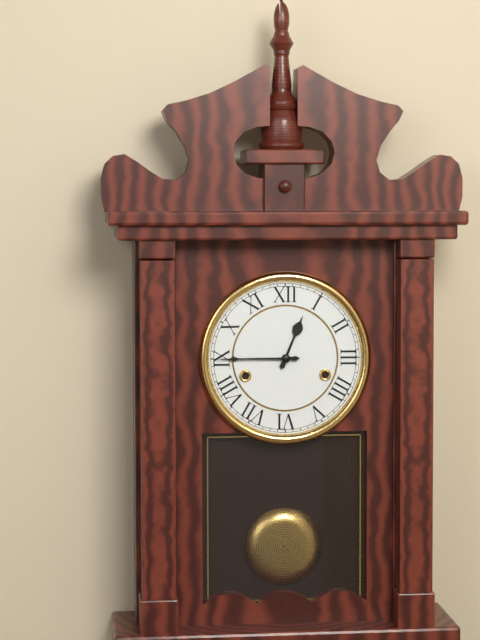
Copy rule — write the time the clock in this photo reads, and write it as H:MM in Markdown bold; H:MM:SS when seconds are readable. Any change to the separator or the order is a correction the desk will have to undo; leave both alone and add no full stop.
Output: **12:45**
